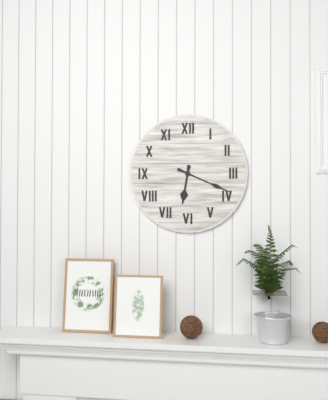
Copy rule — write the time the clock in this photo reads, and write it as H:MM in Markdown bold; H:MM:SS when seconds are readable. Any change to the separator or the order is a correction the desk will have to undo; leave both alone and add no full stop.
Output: **6:19**
